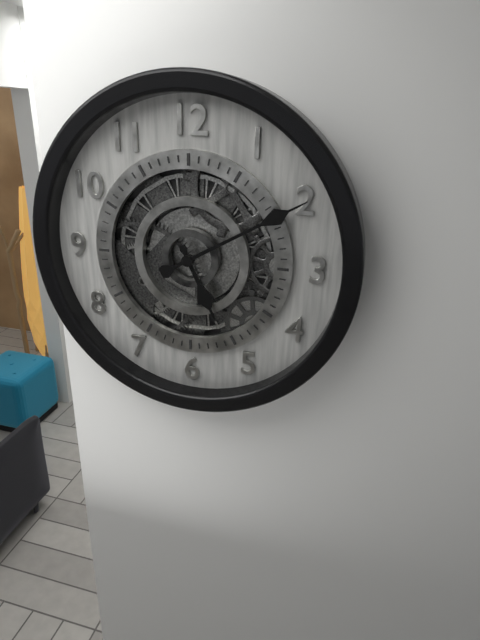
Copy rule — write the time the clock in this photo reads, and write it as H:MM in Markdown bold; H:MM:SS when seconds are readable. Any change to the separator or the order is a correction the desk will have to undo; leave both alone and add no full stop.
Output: **5:10**
